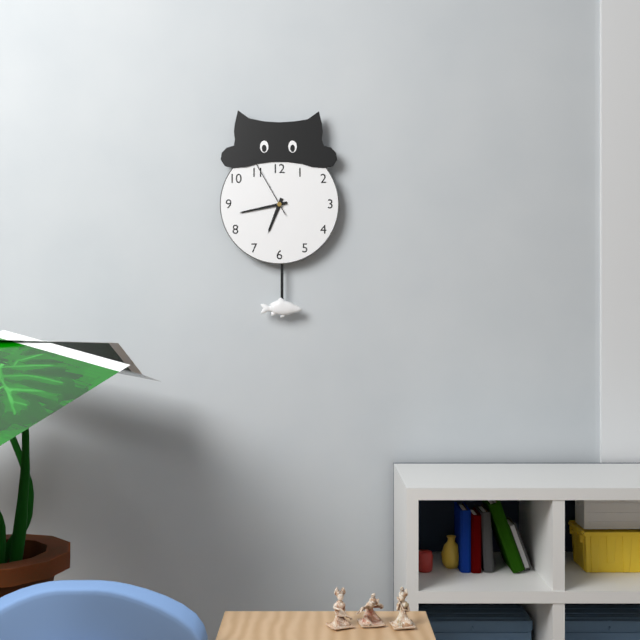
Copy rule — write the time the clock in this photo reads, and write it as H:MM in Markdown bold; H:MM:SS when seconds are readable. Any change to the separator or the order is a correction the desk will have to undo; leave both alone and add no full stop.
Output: **6:43:55**
